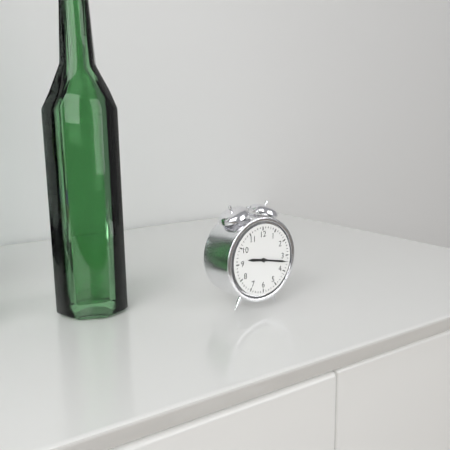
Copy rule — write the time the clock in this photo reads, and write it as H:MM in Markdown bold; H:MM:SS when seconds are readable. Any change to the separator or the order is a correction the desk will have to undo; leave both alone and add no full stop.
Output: **9:17**
